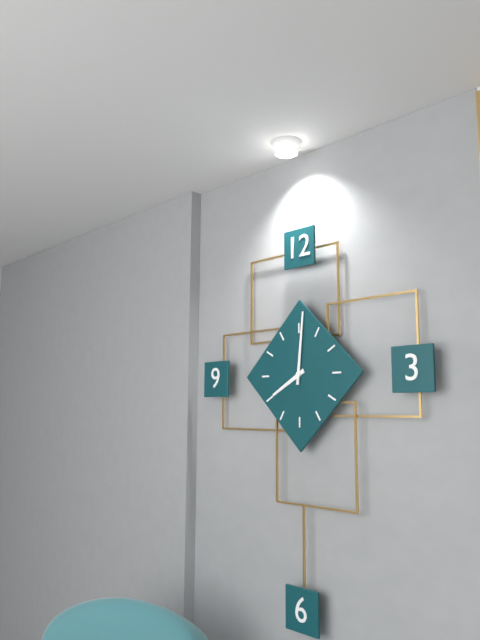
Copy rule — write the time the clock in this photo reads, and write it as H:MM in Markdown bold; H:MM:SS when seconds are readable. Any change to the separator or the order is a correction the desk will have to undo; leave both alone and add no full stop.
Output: **8:01**
